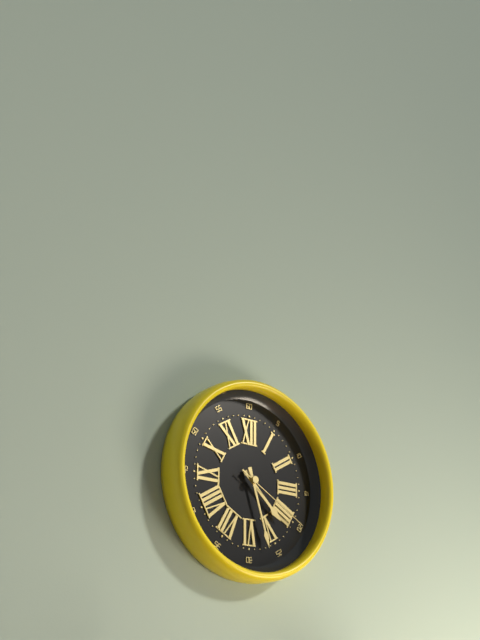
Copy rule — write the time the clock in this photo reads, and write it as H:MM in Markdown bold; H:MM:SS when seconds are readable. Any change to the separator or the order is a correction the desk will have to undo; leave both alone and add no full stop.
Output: **4:27:20**
